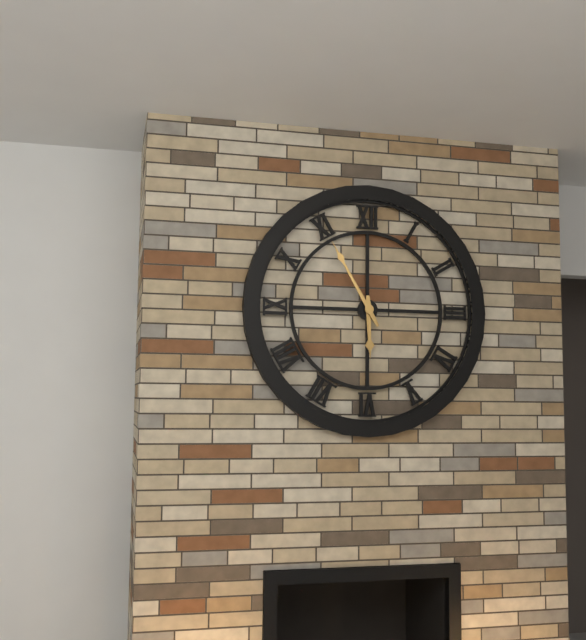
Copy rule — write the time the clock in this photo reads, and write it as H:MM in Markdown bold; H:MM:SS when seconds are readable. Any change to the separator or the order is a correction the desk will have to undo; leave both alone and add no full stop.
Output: **5:55**
